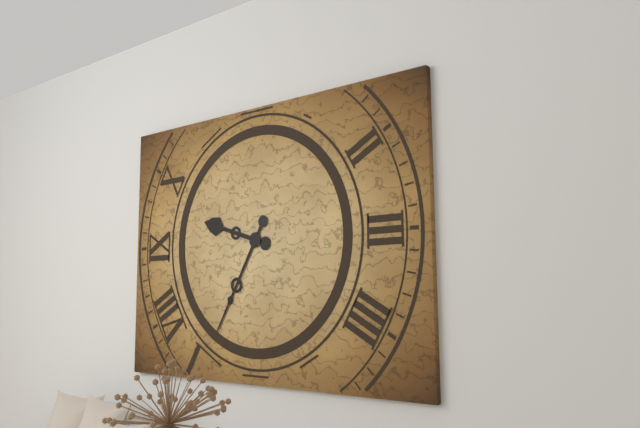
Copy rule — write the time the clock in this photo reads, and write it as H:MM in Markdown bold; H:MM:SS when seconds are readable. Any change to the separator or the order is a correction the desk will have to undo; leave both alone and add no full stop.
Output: **9:35**
